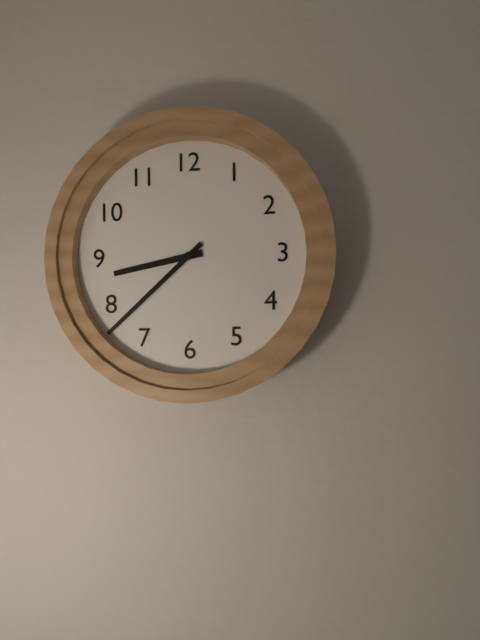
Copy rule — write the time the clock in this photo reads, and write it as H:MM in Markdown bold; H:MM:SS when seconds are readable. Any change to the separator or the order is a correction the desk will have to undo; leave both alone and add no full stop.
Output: **8:38**
